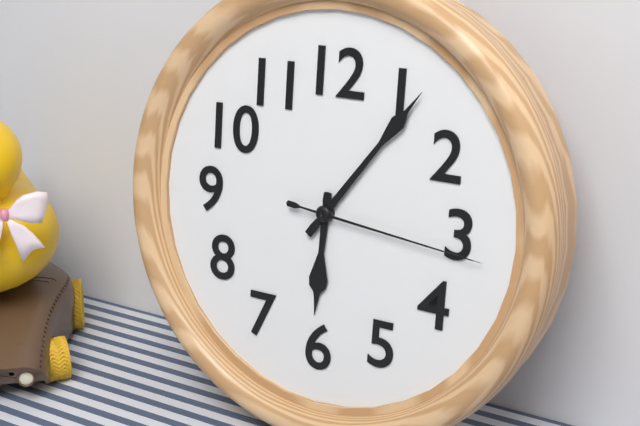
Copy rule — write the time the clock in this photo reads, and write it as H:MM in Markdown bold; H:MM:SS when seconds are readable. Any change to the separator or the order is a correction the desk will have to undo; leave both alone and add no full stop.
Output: **6:06:16**
